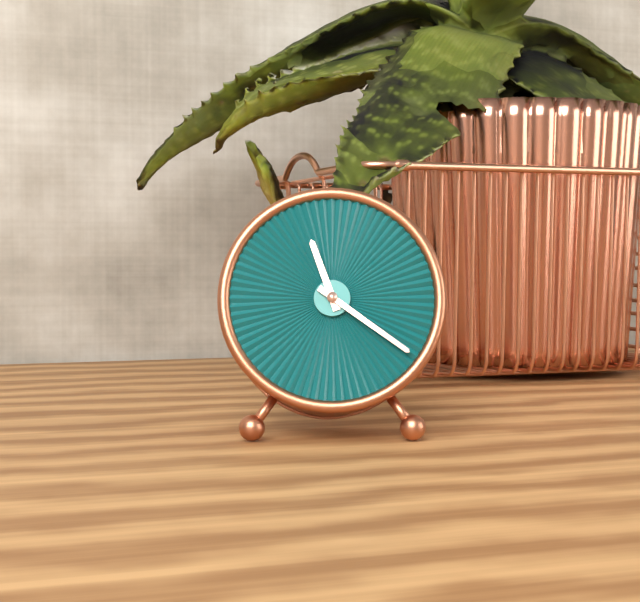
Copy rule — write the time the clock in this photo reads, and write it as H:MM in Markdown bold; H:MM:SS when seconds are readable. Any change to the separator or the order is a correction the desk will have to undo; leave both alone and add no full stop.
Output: **11:21**
